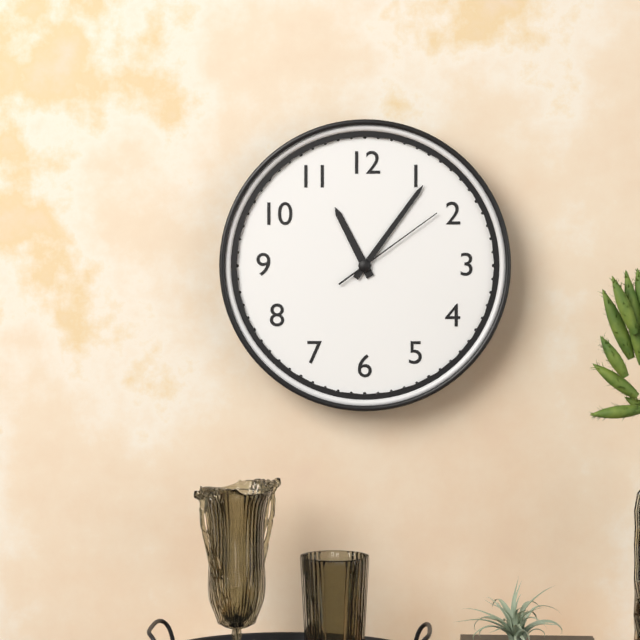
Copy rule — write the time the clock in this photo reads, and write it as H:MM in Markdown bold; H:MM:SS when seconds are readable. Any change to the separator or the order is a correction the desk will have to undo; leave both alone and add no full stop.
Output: **11:06:09**
